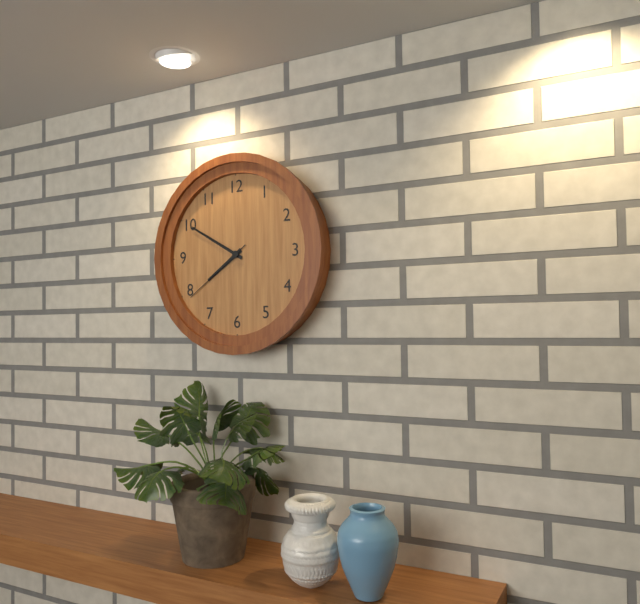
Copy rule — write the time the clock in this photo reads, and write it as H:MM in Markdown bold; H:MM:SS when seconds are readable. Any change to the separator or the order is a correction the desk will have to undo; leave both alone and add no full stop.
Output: **7:50:39**
